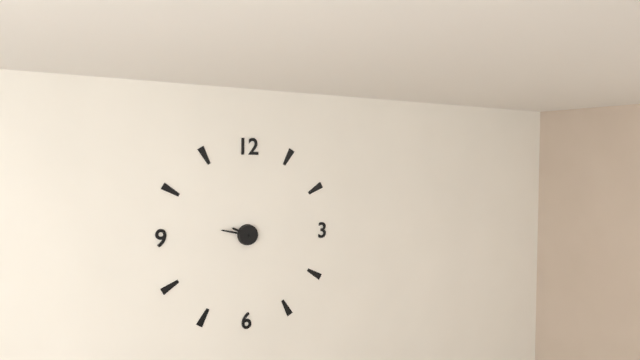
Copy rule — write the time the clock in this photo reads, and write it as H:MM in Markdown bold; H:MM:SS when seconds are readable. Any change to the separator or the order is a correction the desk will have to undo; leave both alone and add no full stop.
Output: **9:47**
